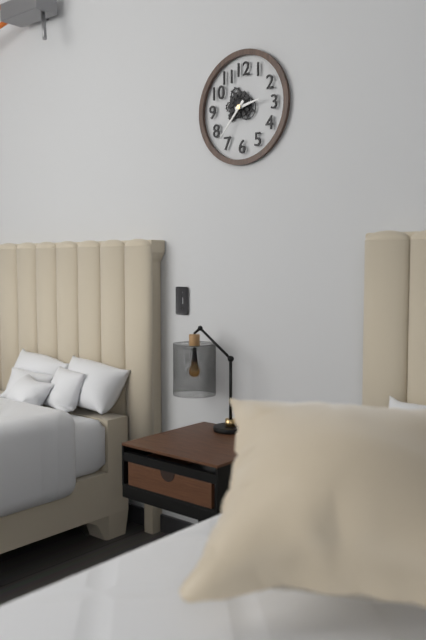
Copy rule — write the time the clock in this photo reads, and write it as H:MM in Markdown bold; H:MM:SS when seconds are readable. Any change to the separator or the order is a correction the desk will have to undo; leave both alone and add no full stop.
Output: **2:37**
